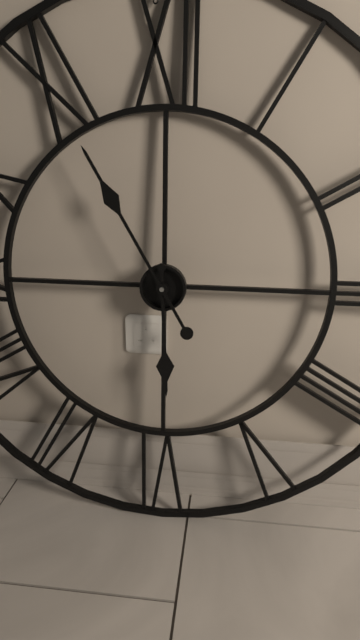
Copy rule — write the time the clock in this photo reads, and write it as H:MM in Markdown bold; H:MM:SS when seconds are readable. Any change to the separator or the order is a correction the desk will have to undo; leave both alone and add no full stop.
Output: **5:55**
